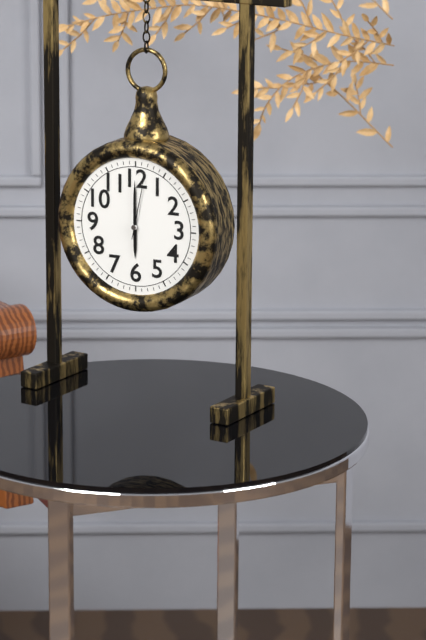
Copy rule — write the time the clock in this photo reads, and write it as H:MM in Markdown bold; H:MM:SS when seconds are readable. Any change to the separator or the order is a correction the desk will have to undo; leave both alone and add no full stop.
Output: **6:00:02**
